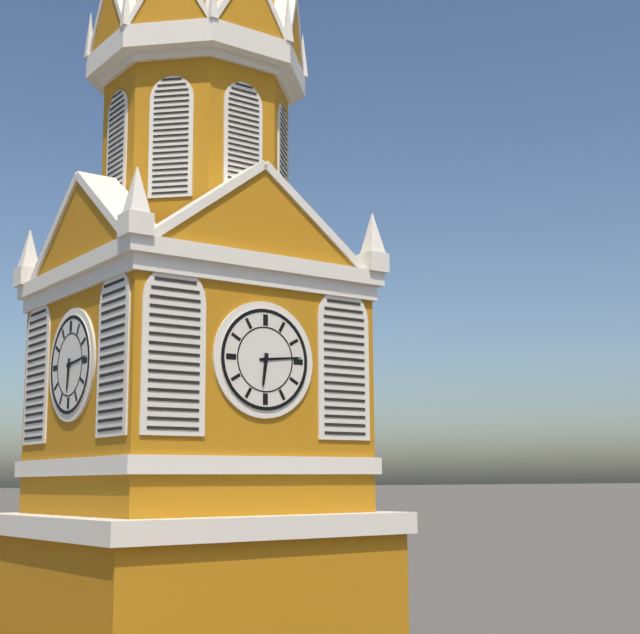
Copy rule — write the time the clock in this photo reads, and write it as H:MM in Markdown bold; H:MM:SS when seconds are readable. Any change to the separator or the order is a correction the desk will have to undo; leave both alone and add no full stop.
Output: **6:14**
